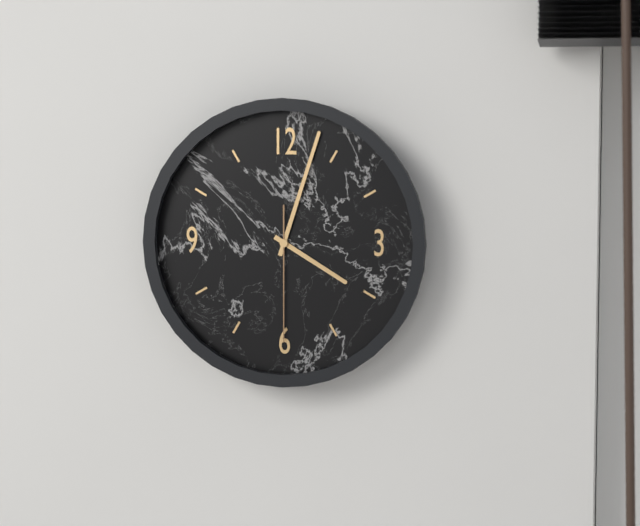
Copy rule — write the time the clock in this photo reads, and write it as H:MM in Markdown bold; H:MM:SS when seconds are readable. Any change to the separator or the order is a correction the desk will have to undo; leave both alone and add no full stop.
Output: **4:03:30**
